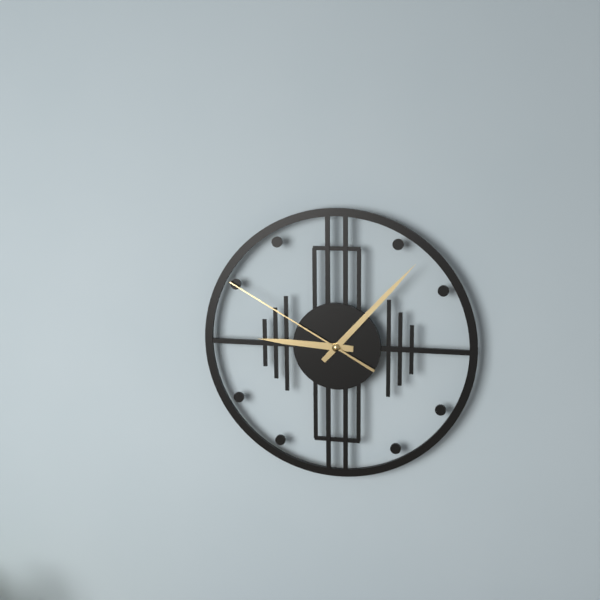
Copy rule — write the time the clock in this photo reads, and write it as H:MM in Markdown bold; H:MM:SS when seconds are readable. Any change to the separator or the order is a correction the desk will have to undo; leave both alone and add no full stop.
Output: **9:07:50**
